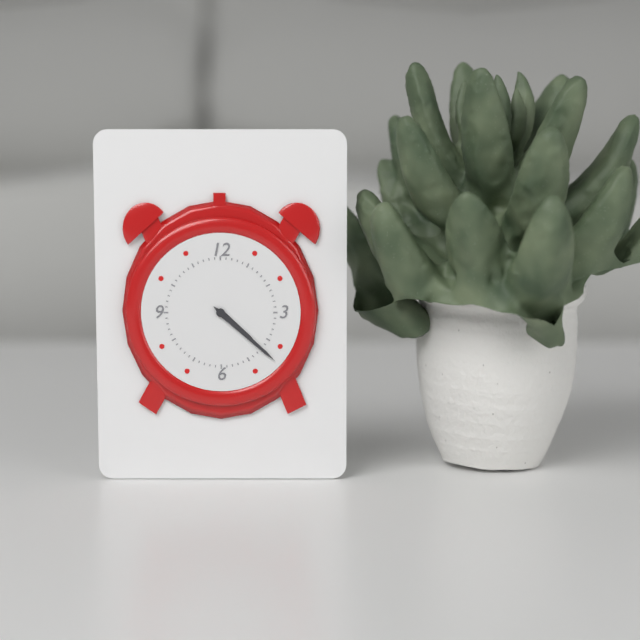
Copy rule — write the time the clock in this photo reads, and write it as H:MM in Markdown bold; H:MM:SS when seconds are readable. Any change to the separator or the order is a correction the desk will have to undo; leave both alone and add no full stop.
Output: **4:22**
